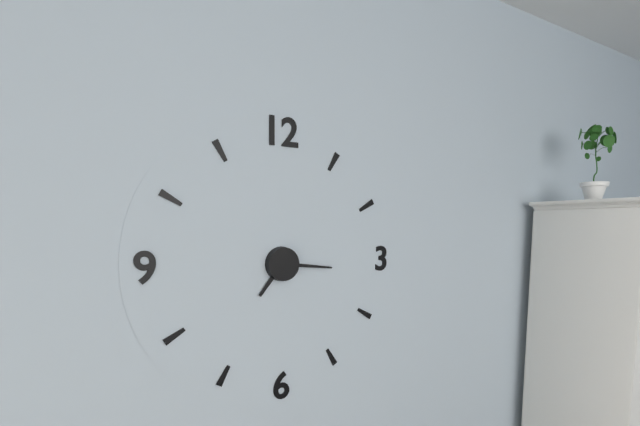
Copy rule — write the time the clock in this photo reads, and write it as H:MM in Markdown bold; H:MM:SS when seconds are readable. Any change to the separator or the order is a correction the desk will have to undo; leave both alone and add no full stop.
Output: **7:16**
